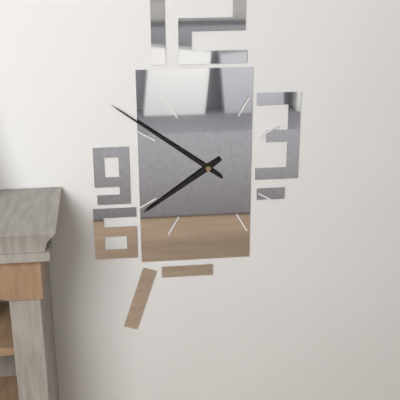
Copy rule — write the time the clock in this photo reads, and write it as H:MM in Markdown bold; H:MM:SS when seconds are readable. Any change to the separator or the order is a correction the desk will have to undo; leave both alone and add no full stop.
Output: **7:51**
